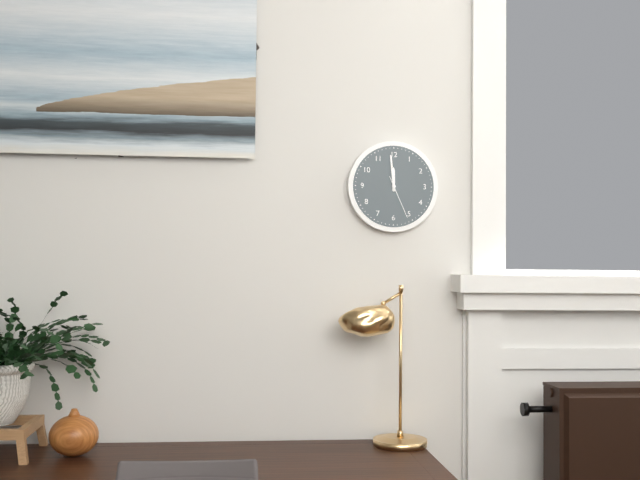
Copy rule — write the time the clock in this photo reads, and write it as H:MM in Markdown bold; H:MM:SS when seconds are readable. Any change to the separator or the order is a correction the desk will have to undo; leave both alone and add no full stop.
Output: **11:59**
